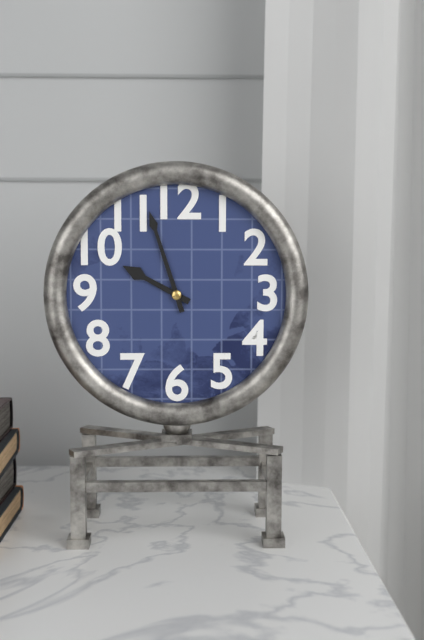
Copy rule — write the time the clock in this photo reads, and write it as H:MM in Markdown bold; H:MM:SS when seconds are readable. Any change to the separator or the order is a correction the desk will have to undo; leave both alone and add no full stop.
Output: **9:57**
